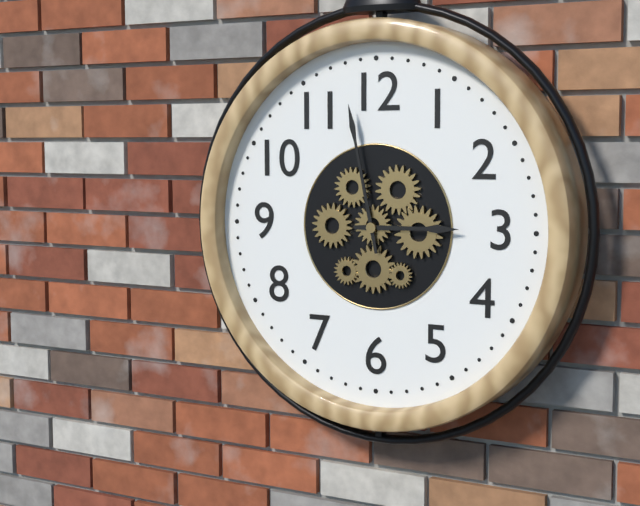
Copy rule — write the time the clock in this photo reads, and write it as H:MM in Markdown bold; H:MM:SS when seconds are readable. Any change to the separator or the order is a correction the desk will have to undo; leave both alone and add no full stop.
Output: **2:58**
